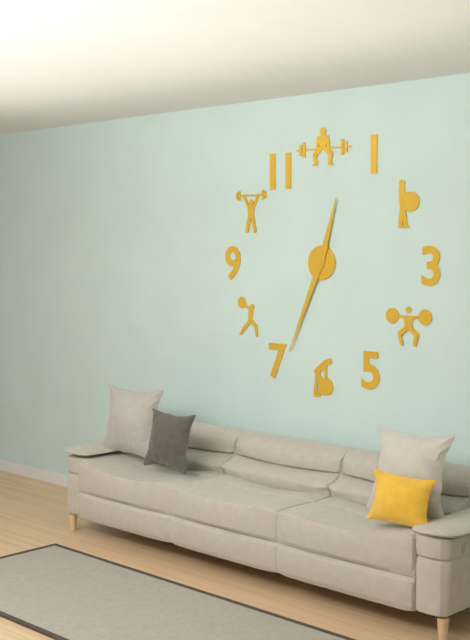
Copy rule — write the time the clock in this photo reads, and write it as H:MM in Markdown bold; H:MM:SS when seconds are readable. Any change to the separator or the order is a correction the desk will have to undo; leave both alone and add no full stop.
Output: **12:34**
